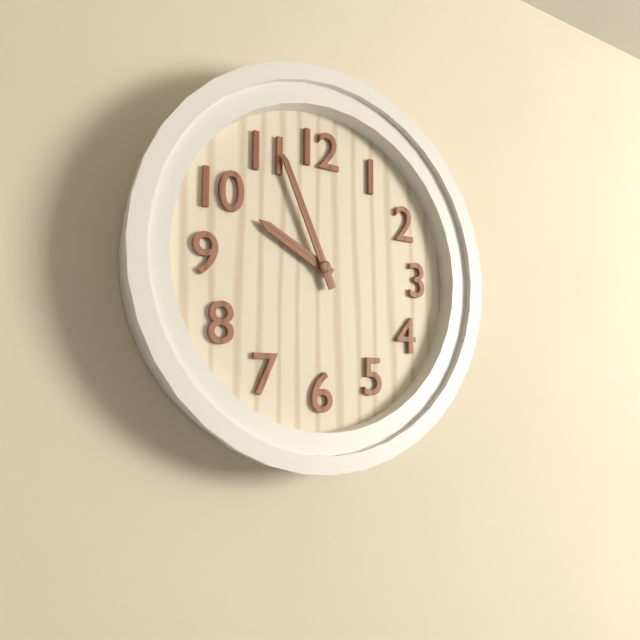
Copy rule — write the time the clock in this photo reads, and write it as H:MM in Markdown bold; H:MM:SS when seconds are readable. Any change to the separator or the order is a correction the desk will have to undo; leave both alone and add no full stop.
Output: **9:56**
